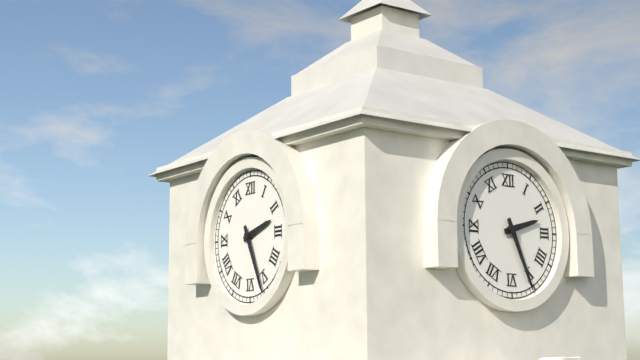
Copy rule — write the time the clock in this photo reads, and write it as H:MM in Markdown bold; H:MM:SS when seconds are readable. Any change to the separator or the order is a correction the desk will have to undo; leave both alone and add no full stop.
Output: **2:26**
